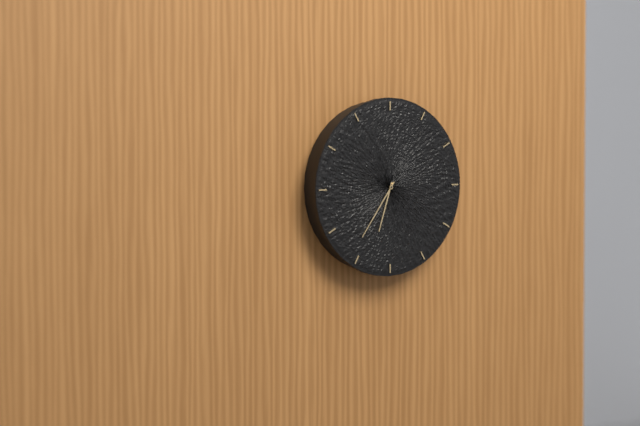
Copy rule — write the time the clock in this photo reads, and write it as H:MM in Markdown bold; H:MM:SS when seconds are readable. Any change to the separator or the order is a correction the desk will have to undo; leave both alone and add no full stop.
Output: **6:36**
